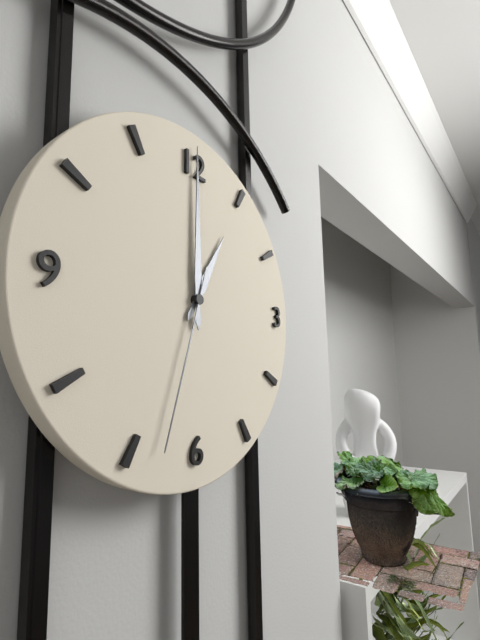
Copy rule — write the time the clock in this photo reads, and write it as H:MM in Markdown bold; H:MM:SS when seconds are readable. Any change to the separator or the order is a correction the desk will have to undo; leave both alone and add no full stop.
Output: **1:00:33**
